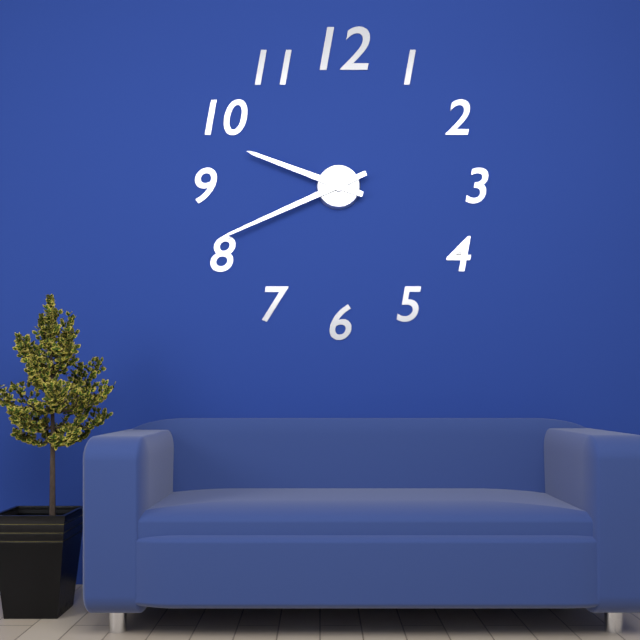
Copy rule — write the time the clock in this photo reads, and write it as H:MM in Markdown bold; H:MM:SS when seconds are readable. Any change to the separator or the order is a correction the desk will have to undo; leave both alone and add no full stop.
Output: **9:41**
